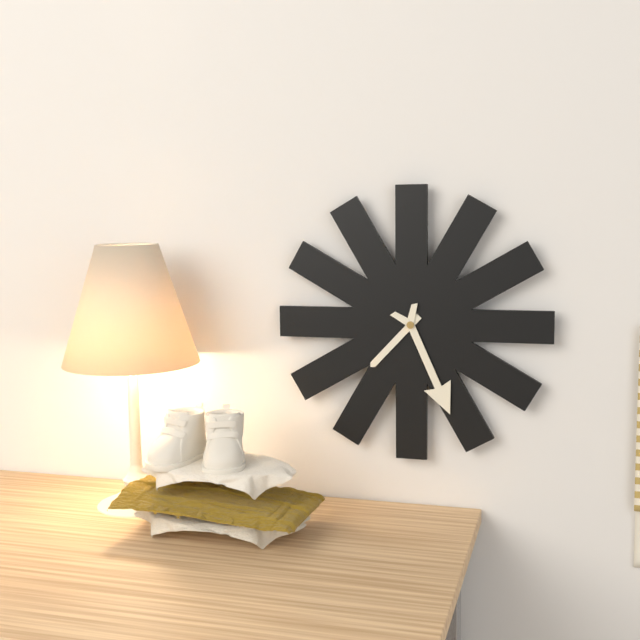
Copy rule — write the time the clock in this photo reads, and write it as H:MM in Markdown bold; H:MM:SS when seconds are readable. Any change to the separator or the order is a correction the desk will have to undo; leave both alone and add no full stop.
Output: **7:26**
